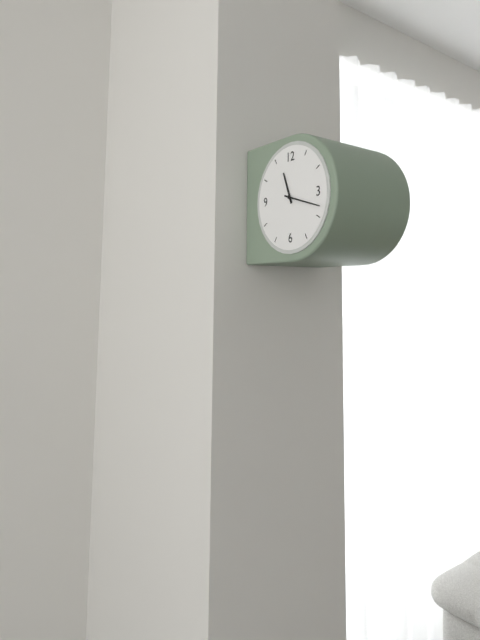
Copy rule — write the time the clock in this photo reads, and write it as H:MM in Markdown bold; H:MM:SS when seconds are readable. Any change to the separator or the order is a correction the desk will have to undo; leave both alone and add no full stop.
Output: **11:18**
